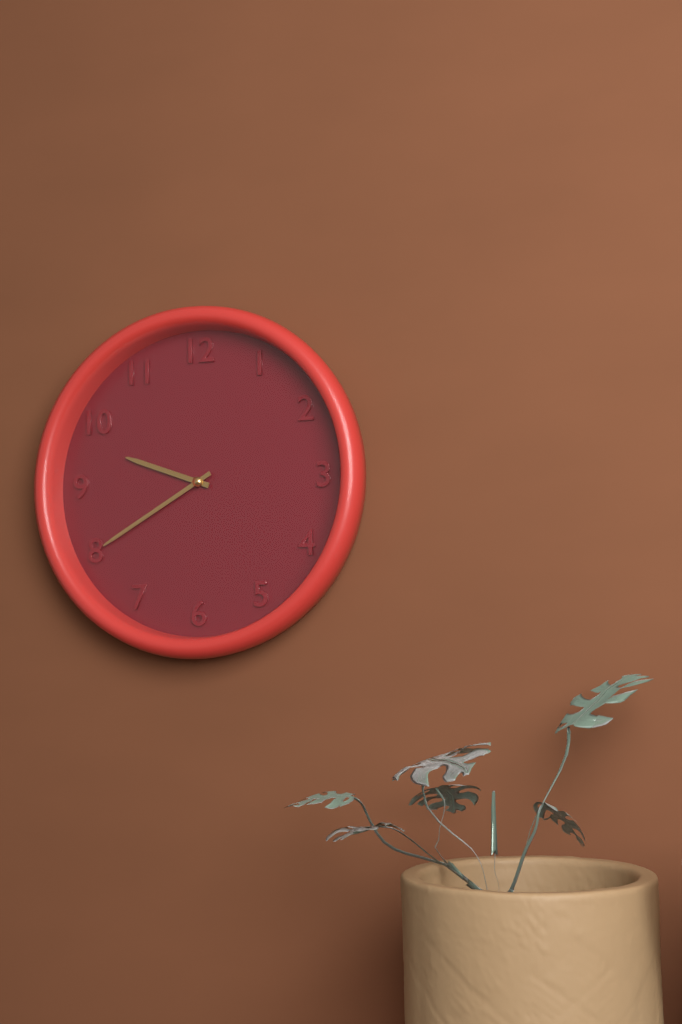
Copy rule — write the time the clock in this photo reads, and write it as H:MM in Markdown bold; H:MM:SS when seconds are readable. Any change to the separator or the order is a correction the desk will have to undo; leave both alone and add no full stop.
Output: **9:40**
